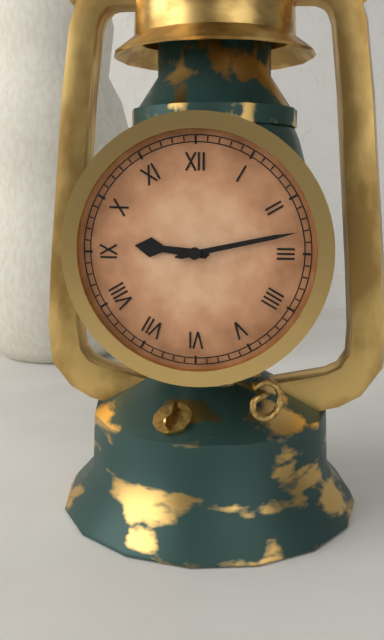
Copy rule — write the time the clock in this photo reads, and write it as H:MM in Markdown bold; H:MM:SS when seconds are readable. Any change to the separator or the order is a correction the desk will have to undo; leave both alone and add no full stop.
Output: **9:13**
